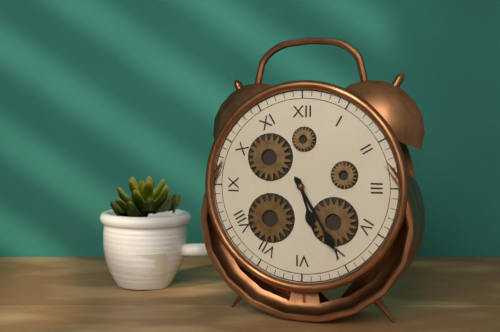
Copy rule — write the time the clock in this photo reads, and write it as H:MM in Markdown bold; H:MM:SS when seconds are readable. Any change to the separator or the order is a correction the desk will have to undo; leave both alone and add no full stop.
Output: **5:25**
